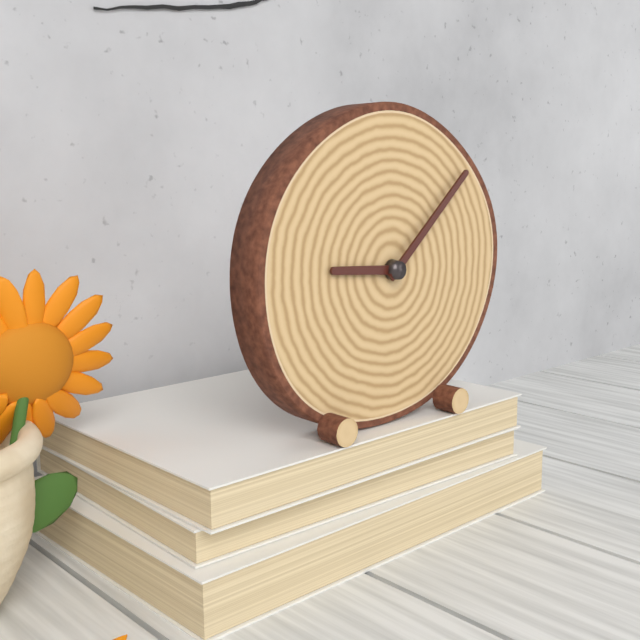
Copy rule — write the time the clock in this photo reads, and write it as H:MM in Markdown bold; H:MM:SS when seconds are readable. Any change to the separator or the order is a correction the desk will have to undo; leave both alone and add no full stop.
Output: **9:08**
